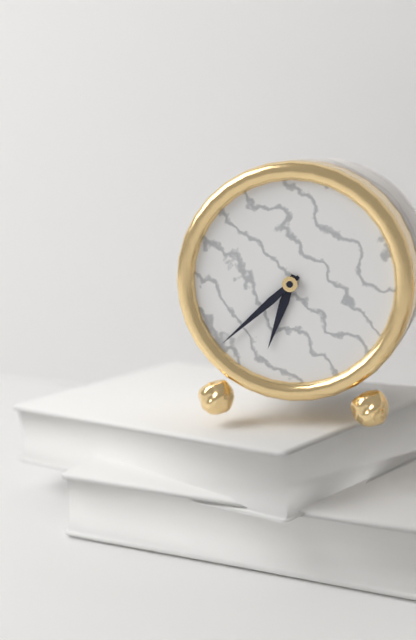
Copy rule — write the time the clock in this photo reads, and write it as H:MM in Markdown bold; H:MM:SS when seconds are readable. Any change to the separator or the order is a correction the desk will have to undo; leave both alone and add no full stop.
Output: **6:38**
